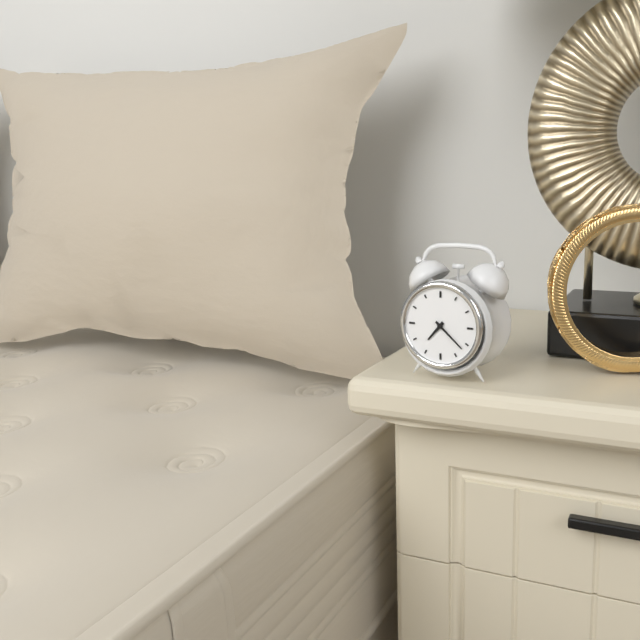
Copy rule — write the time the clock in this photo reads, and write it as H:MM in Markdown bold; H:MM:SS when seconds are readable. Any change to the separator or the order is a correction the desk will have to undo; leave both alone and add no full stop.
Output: **7:22**
